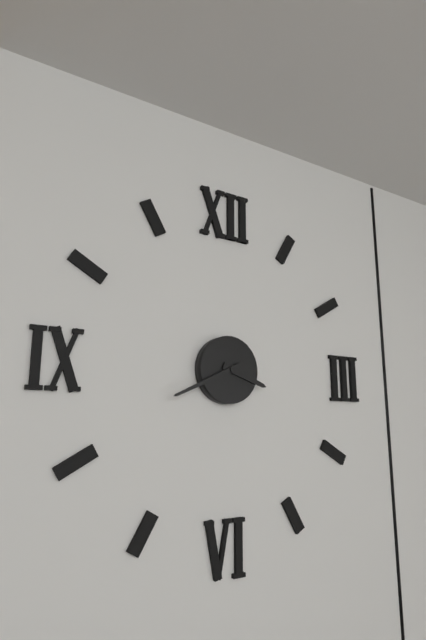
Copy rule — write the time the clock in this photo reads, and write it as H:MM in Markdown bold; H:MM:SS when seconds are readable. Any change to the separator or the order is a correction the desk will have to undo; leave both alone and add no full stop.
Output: **3:41**
